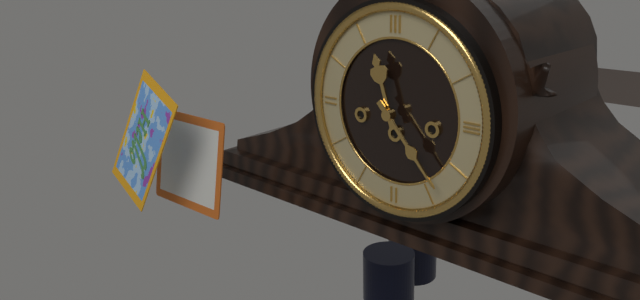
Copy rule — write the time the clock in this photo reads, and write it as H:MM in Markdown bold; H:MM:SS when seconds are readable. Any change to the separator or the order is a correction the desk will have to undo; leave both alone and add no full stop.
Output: **11:23**
